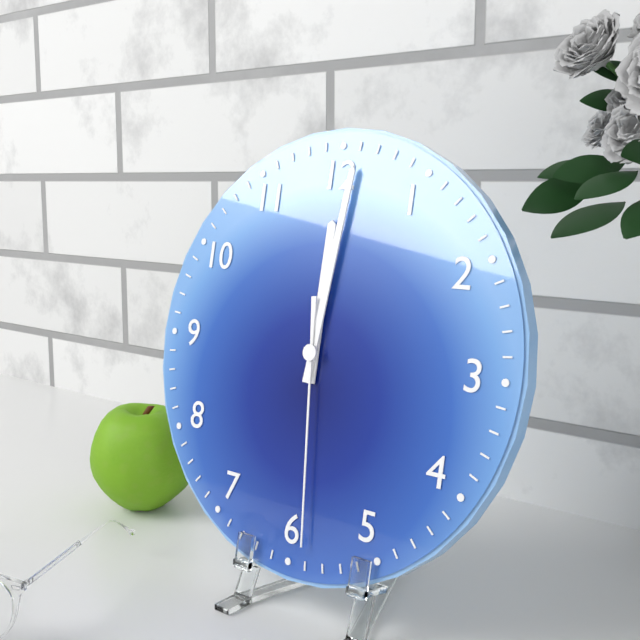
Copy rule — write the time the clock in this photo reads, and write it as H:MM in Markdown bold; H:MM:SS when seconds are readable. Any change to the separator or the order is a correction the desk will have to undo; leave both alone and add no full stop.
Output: **12:01:29**
